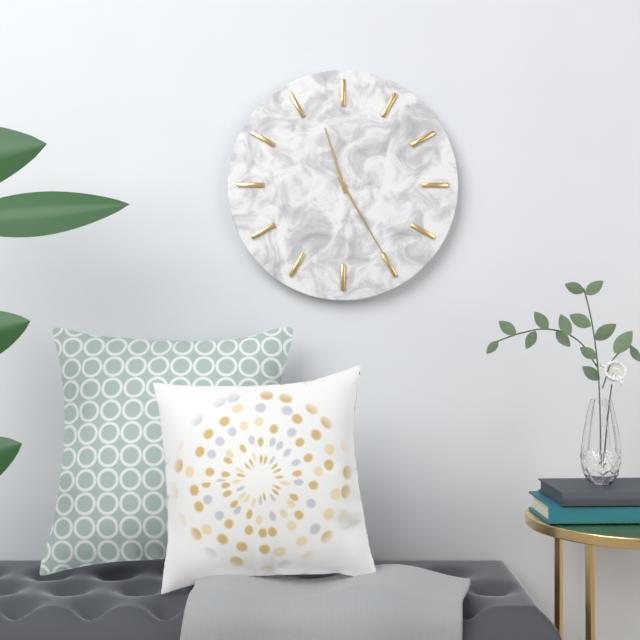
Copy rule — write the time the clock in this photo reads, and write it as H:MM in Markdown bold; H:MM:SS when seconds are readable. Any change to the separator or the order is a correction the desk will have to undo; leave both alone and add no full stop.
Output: **11:25**
